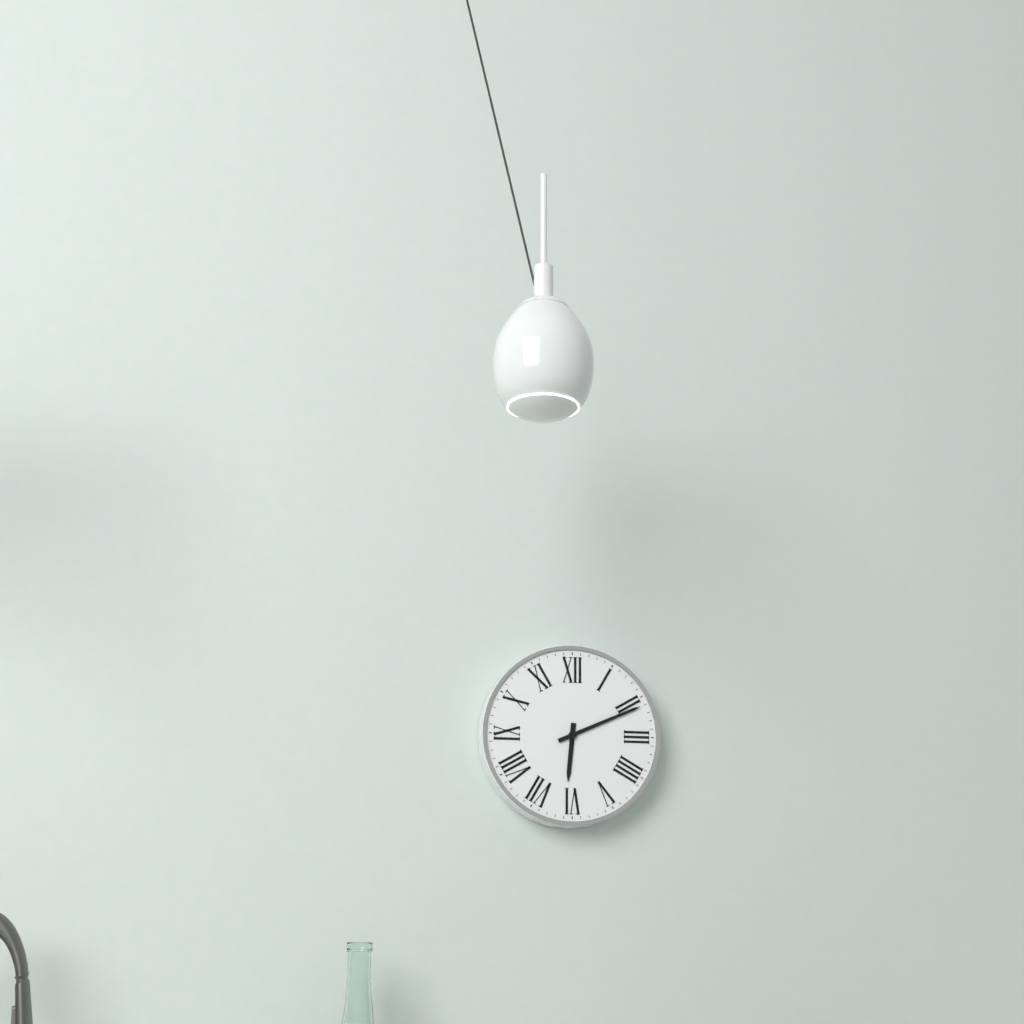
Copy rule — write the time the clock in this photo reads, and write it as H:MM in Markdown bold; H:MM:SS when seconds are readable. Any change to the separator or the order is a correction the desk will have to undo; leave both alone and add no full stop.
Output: **6:11**
